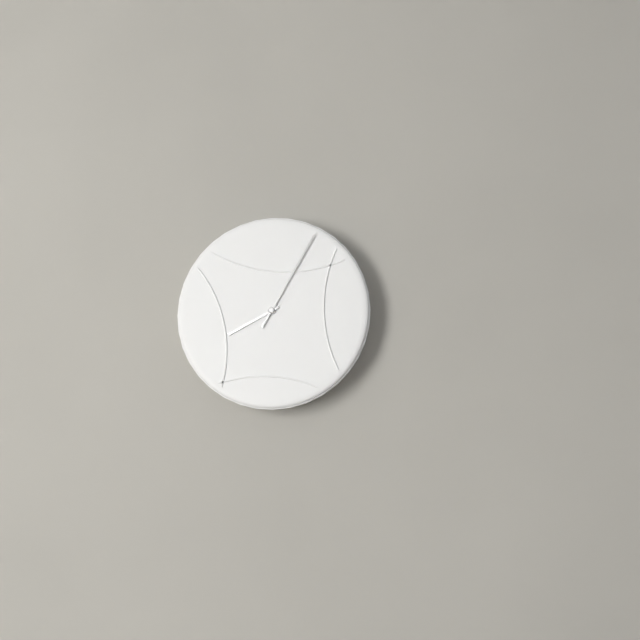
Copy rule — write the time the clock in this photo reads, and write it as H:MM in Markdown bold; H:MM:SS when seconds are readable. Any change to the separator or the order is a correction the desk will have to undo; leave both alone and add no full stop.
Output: **8:05**
